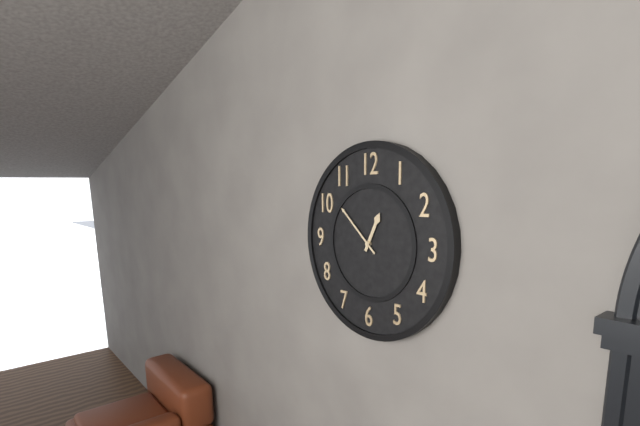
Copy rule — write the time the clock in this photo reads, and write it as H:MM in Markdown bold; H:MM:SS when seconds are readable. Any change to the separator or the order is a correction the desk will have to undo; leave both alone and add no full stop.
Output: **12:52**
